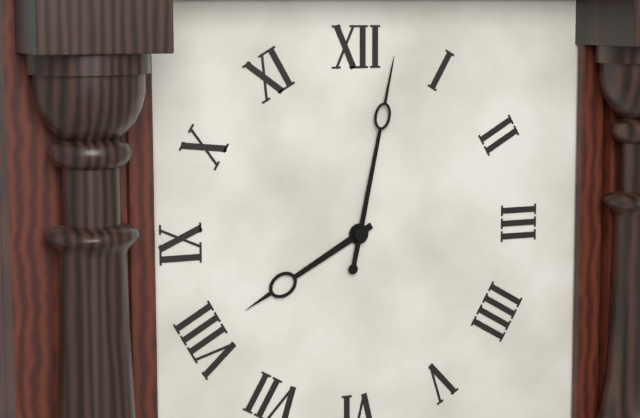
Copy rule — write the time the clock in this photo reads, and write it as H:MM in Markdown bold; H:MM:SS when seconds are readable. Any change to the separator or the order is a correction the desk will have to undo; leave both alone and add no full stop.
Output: **8:02**
